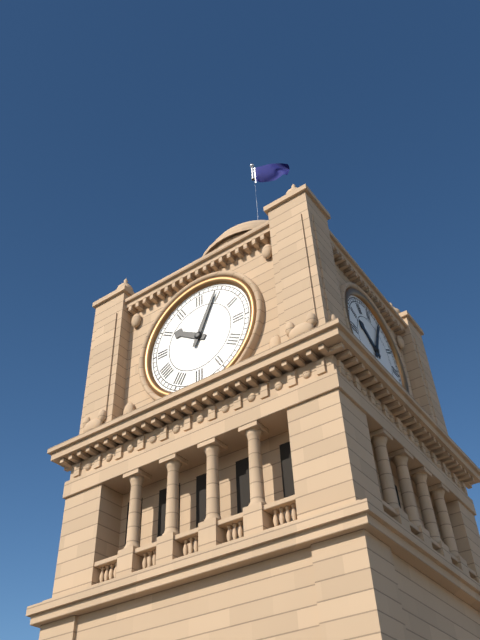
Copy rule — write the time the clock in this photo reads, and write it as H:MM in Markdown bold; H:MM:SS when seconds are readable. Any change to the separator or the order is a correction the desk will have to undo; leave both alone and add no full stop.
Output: **10:04**
